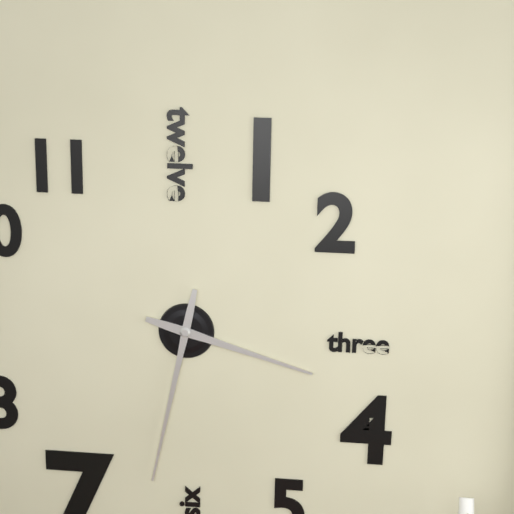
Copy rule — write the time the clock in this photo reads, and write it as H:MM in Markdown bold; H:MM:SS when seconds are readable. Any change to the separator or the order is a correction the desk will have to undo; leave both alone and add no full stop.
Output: **3:32**
